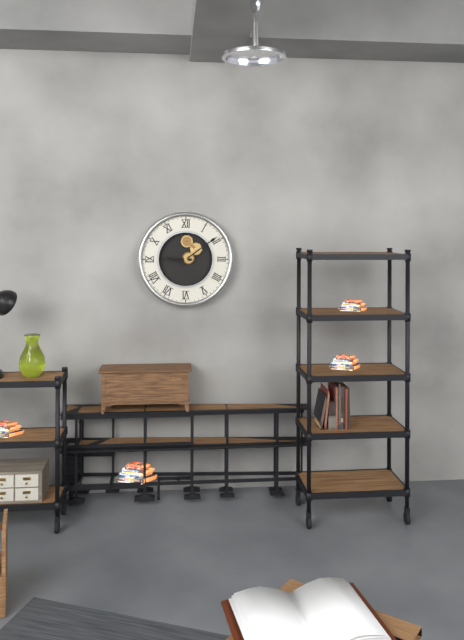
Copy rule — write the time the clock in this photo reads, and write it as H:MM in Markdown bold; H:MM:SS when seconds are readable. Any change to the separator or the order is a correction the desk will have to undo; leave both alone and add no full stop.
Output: **9:09**
